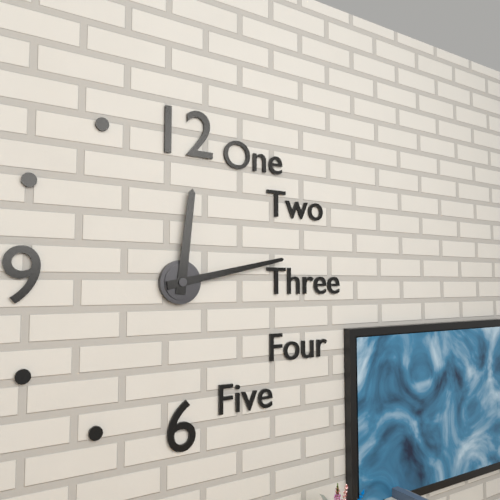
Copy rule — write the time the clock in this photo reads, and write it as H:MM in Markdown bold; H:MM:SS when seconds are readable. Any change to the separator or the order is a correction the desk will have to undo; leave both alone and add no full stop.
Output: **12:13**
